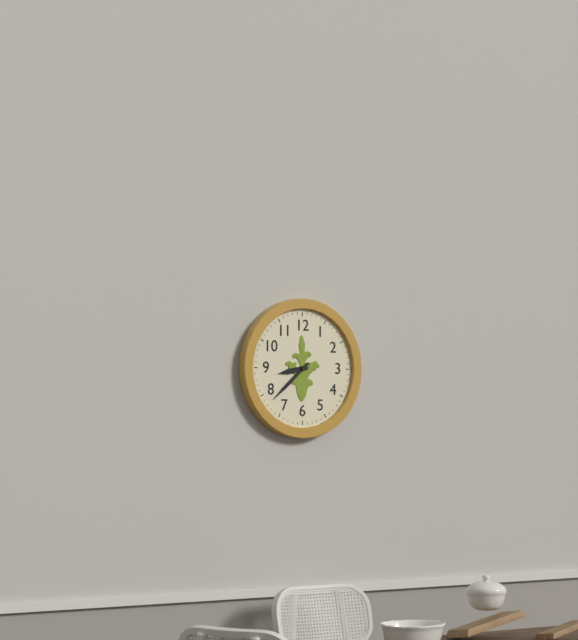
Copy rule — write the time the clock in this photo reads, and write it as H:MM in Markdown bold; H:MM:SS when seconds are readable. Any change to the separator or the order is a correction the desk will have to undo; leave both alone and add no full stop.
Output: **8:38**
